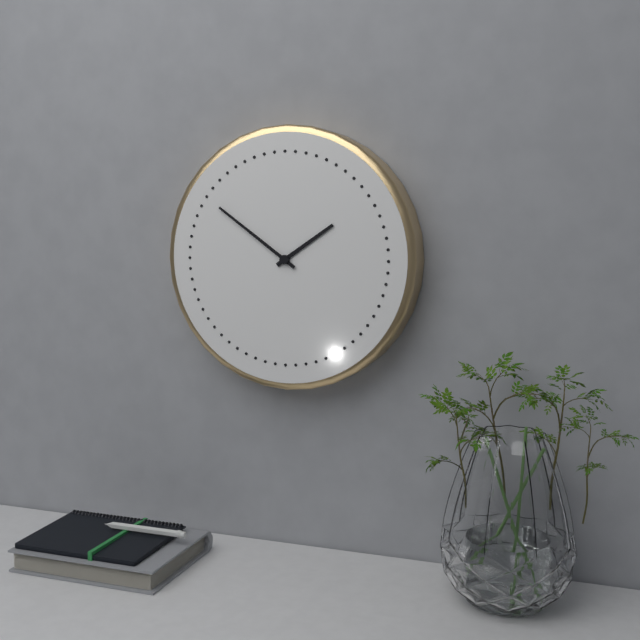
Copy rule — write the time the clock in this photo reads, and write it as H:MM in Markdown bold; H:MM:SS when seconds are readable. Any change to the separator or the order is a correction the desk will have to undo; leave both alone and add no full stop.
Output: **1:51**
